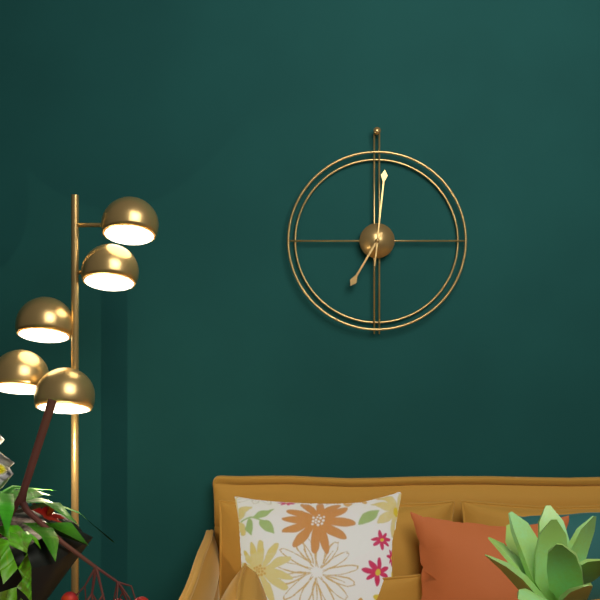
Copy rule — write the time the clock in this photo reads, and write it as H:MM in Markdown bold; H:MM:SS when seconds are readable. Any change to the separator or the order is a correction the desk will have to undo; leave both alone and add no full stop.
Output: **7:01**
